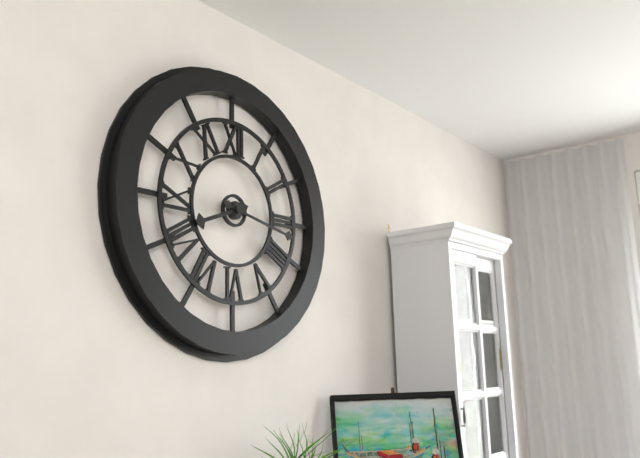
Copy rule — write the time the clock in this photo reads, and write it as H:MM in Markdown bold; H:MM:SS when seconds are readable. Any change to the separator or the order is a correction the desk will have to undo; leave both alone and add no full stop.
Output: **8:17**
